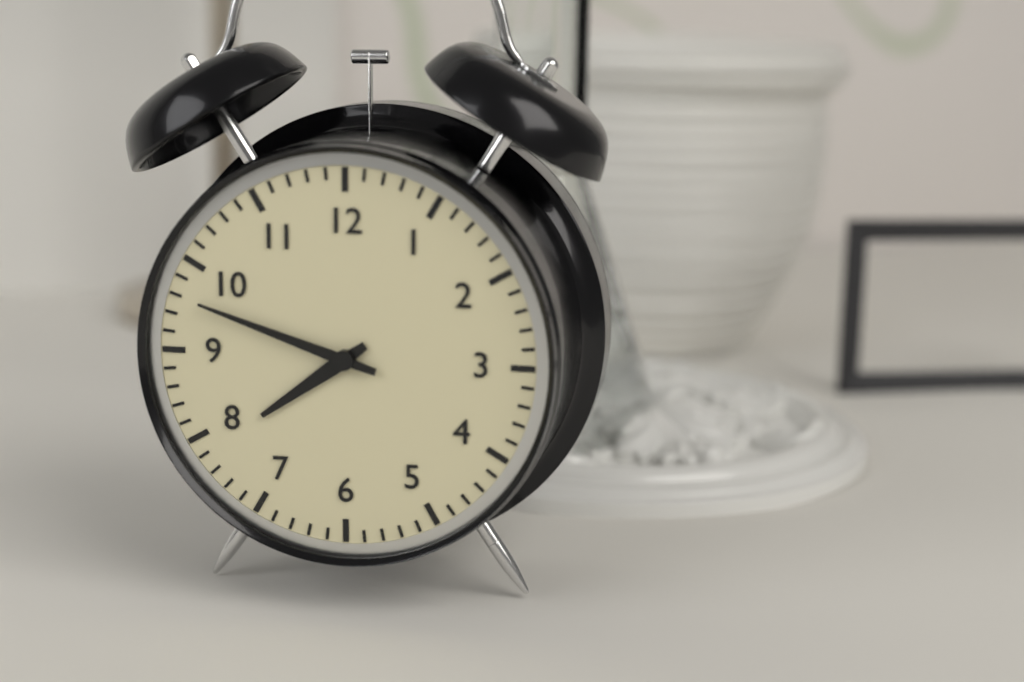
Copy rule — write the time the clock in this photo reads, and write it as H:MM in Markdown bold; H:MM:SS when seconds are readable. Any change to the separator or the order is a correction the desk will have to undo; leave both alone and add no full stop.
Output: **7:48**
